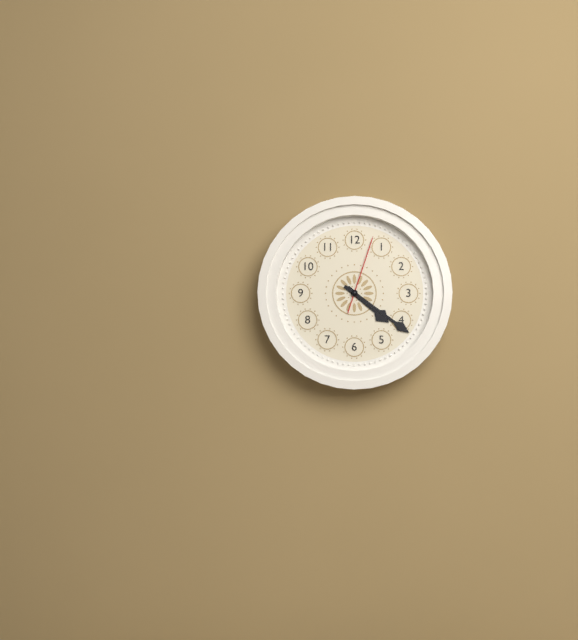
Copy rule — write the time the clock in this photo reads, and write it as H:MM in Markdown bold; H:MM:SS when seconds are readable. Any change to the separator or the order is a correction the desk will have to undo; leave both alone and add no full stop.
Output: **4:21:03**
